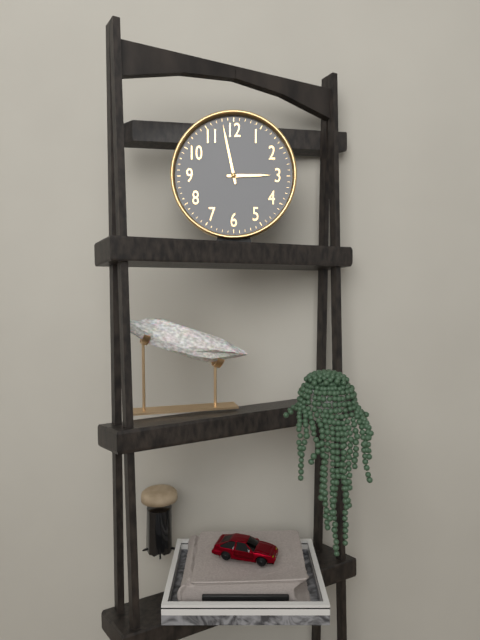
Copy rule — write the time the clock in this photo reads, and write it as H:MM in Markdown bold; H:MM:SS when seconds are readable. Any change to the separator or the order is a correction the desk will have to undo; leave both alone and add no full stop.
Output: **2:58**
